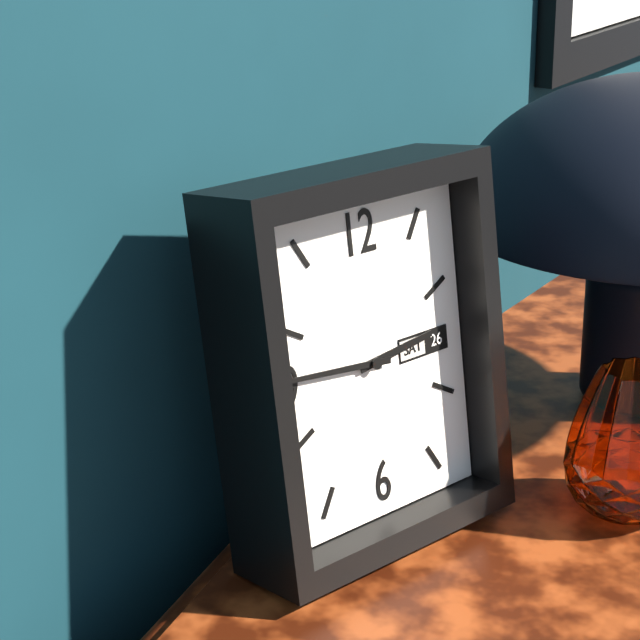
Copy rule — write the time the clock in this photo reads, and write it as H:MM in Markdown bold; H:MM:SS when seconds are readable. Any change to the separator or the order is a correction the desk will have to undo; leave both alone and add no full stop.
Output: **2:46**
